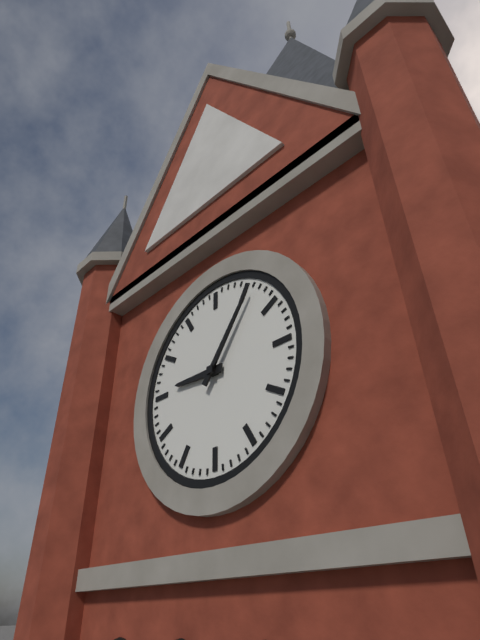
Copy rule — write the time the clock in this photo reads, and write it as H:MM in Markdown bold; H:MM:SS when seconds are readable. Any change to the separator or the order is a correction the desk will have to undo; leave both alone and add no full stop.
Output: **9:06**
